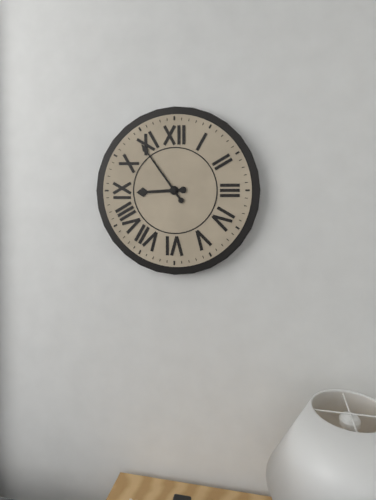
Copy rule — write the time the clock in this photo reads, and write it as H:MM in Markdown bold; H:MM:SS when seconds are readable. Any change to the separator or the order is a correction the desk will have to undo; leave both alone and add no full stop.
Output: **8:54**
